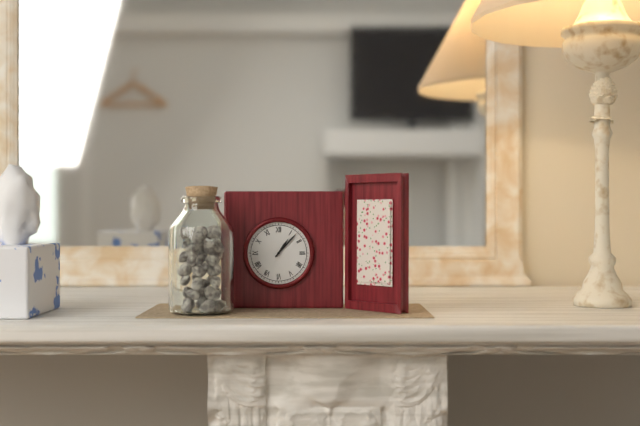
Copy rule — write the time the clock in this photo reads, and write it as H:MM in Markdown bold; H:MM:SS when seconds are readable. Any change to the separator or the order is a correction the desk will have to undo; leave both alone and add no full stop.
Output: **1:07**
